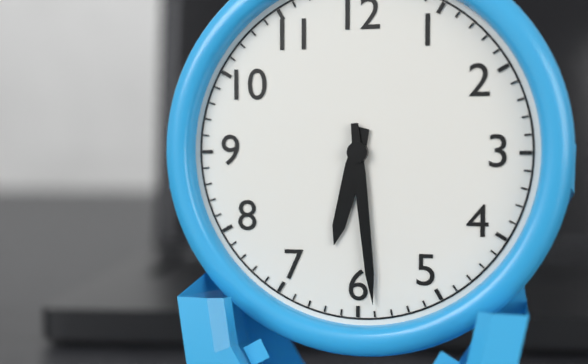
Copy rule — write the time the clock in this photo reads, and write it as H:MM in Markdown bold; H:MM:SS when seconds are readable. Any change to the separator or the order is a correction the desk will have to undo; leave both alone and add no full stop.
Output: **6:29**
